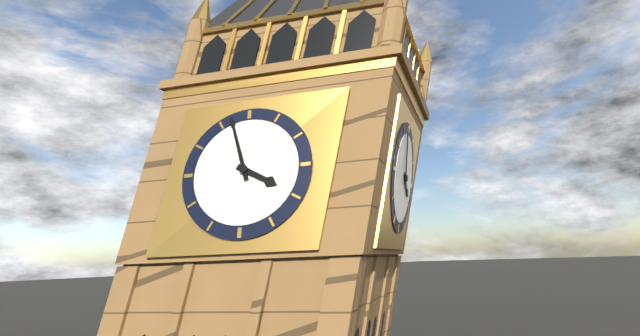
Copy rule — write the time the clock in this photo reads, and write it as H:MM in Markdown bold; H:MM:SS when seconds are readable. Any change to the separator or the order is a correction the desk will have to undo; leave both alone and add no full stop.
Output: **3:57**
